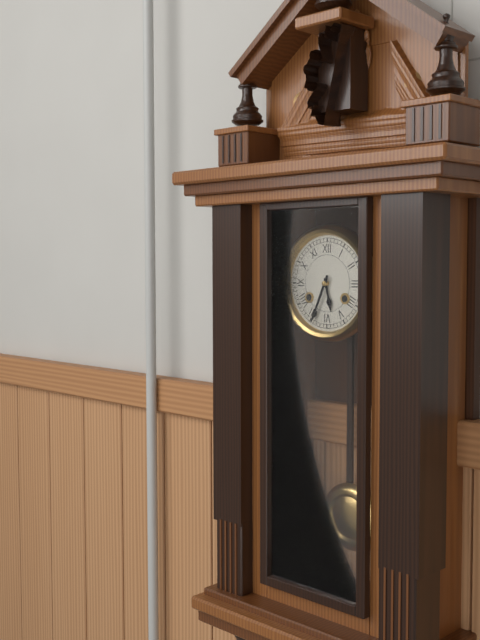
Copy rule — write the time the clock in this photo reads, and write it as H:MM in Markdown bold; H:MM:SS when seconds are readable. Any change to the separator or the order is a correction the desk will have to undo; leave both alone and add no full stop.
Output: **5:34**
